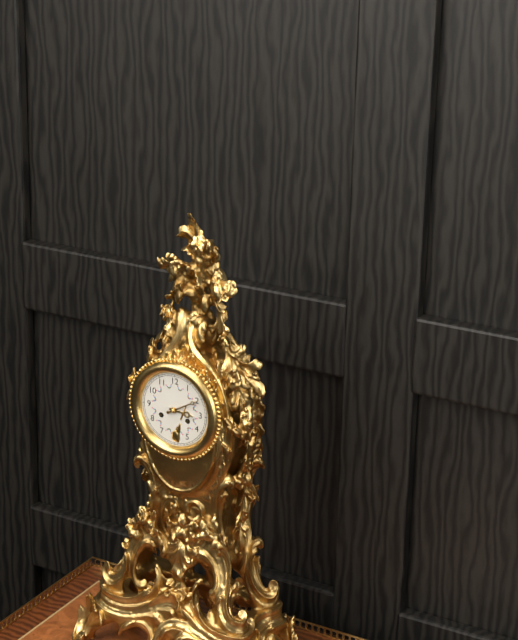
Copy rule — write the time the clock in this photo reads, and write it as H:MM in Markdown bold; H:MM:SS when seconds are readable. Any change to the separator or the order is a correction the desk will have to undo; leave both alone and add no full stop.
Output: **3:10**
